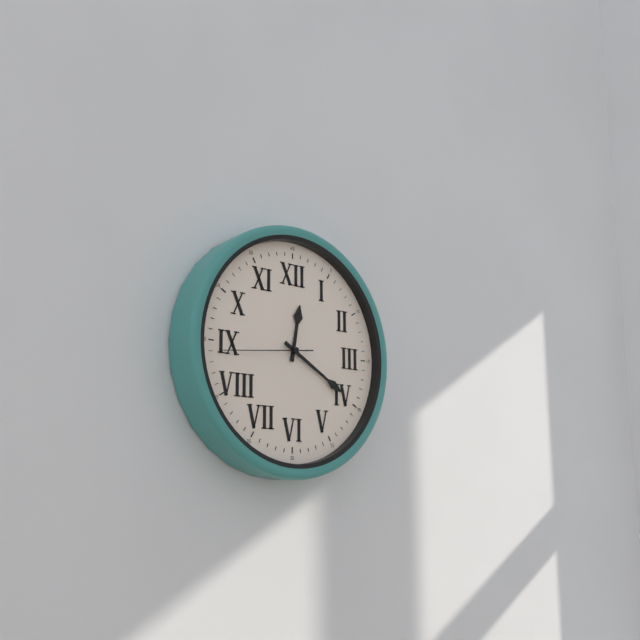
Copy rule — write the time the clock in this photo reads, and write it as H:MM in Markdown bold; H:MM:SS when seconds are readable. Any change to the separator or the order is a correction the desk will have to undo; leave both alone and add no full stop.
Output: **12:20:44**
